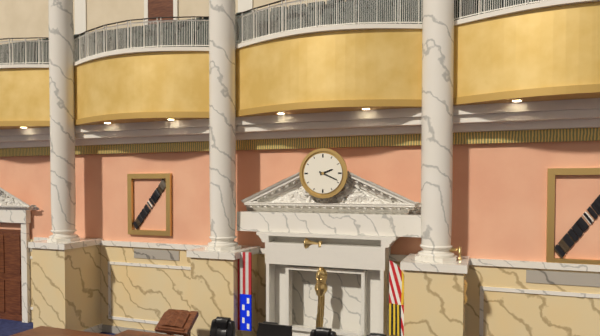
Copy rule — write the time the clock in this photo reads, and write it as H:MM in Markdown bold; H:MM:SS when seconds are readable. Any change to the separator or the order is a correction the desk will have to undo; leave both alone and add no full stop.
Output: **2:19**
